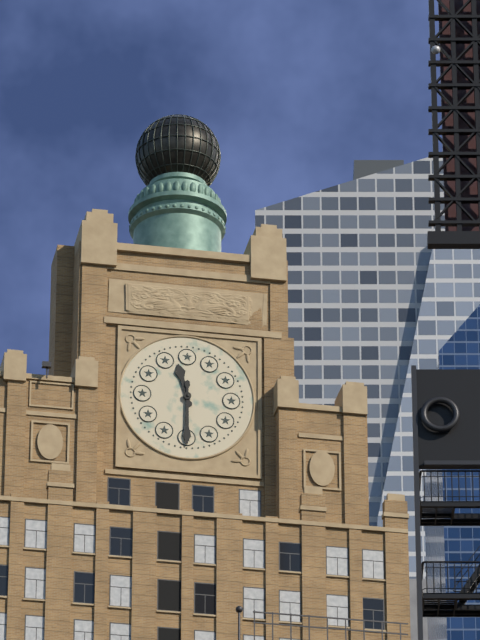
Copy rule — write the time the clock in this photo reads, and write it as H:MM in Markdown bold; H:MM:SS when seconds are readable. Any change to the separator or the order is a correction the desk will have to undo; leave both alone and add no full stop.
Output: **11:30**
